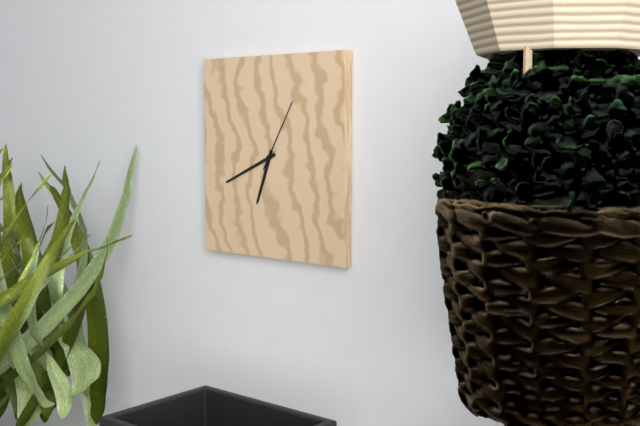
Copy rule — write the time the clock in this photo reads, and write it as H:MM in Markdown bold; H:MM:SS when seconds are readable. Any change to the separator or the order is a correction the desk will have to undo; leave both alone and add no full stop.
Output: **6:41:05**
